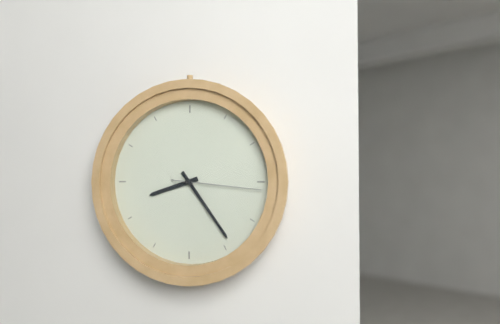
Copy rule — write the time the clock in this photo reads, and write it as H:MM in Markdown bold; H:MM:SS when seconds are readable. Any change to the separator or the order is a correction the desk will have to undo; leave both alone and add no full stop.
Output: **8:24:16**
